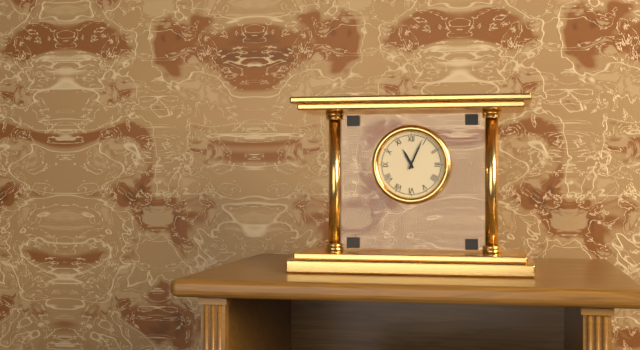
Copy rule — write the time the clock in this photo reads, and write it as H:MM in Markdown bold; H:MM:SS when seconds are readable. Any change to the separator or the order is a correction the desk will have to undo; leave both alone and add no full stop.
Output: **11:04**
